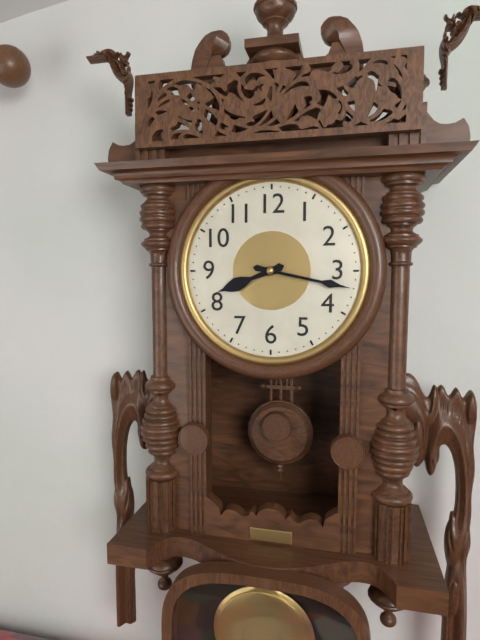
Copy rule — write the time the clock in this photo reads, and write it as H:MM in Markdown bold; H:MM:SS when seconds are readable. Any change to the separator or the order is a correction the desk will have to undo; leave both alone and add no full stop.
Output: **8:17**
